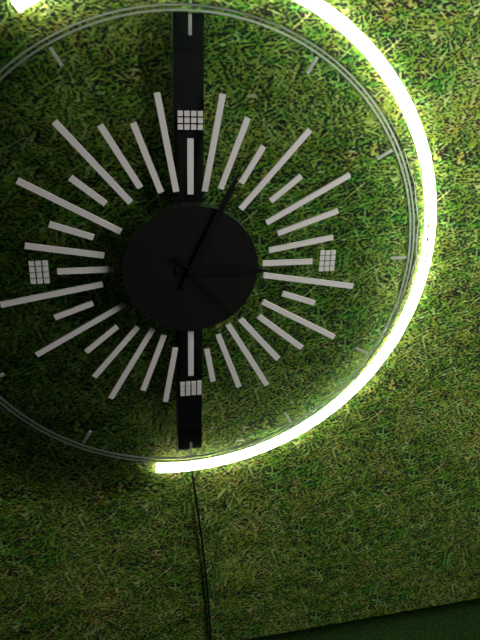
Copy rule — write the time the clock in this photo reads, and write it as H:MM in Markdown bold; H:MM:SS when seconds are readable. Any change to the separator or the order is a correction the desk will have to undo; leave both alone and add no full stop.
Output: **3:04:23**
